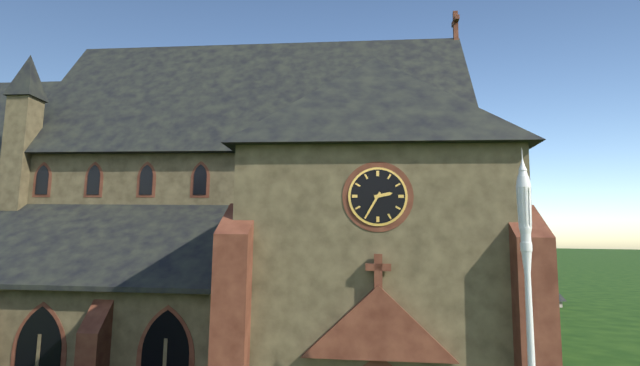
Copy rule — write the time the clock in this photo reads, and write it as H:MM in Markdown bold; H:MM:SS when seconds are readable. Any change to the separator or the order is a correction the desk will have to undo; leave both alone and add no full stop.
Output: **2:35**
